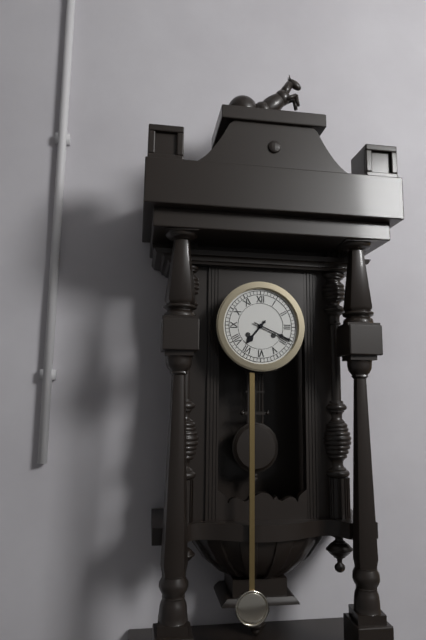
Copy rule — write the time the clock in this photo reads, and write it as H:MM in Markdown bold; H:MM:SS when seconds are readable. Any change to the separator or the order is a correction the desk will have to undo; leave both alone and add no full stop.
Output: **7:19**
